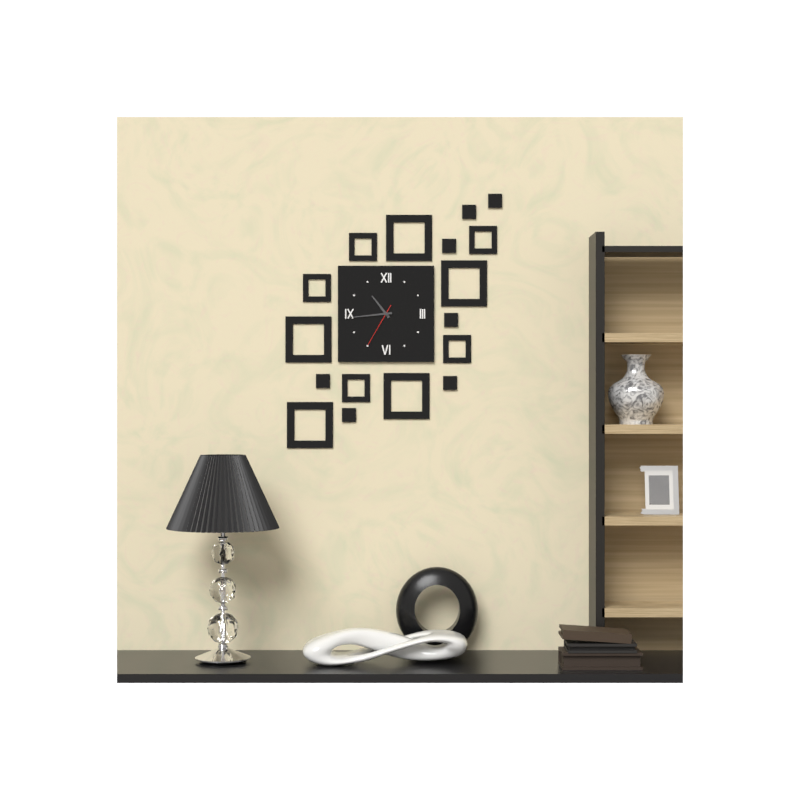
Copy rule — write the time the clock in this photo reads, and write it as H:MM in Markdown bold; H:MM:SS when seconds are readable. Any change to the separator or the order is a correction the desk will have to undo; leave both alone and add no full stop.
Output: **10:44**
